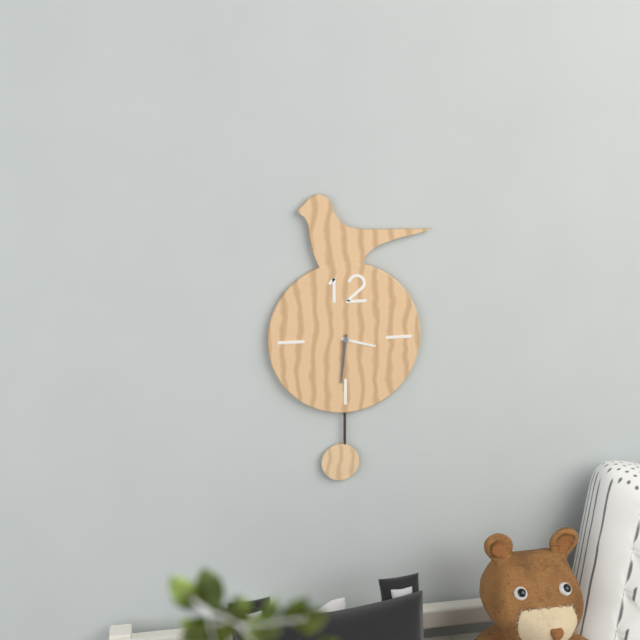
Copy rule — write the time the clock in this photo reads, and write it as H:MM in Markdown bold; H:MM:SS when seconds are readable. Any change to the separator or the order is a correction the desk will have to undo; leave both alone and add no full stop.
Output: **3:31**
